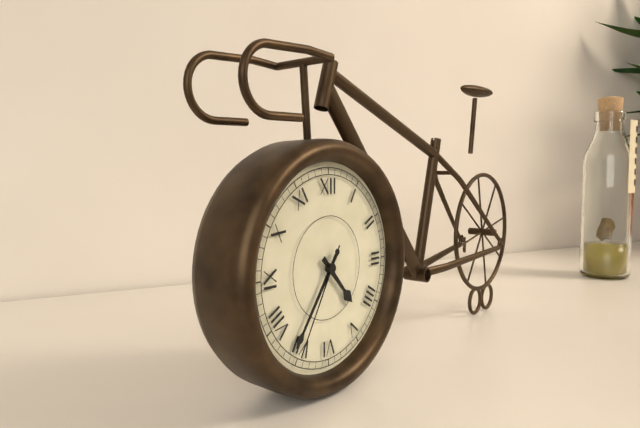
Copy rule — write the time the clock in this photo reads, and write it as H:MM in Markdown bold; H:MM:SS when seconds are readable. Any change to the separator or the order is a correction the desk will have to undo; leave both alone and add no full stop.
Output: **4:36:35**
